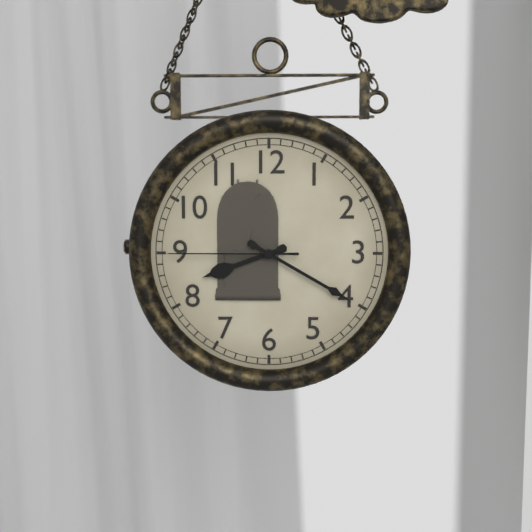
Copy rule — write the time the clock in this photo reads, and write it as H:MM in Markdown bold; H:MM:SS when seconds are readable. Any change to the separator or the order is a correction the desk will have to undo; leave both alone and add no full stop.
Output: **8:20:45**
